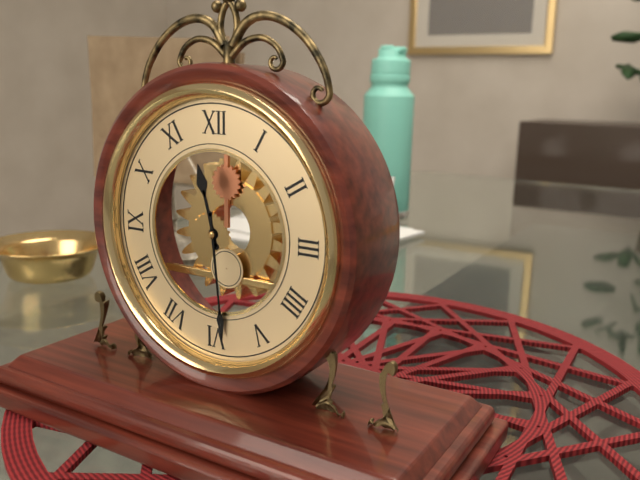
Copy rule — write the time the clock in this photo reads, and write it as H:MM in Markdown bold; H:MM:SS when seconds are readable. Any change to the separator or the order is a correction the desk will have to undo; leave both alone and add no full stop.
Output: **11:29**
